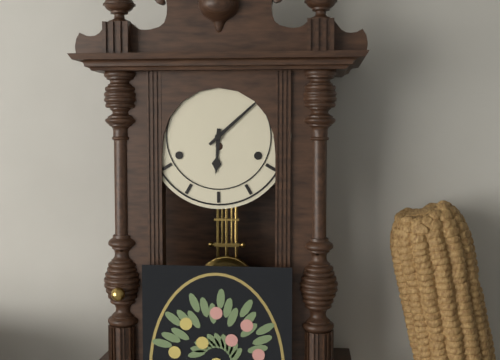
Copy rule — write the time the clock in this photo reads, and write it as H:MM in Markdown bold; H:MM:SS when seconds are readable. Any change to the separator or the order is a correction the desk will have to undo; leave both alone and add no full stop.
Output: **6:08**
